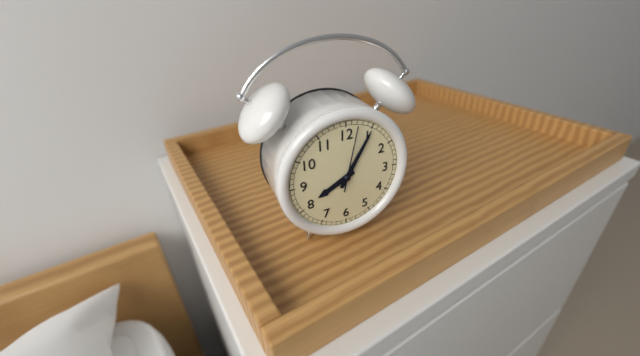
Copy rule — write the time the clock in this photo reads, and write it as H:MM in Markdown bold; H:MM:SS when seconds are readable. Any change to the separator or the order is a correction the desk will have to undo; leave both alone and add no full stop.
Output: **8:05:02**
